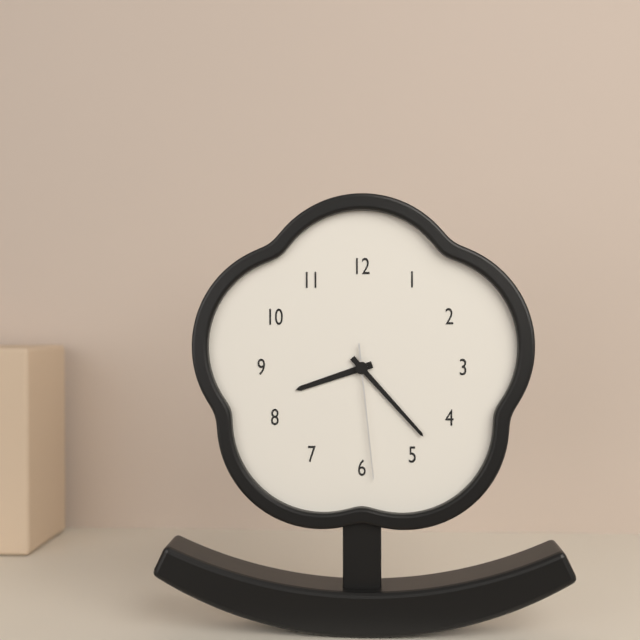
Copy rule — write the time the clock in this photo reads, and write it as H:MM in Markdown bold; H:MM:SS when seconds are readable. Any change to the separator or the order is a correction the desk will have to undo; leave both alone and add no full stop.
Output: **8:23:29**
